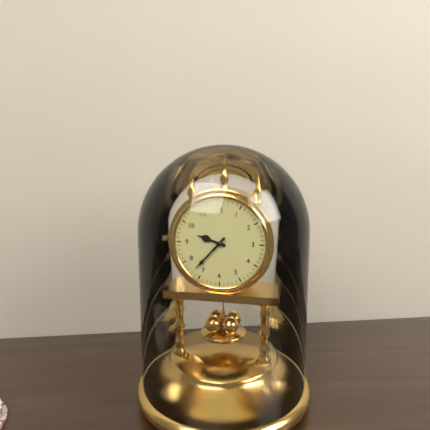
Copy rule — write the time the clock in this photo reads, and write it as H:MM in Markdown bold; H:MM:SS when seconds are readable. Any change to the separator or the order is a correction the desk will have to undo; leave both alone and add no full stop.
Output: **9:37**
